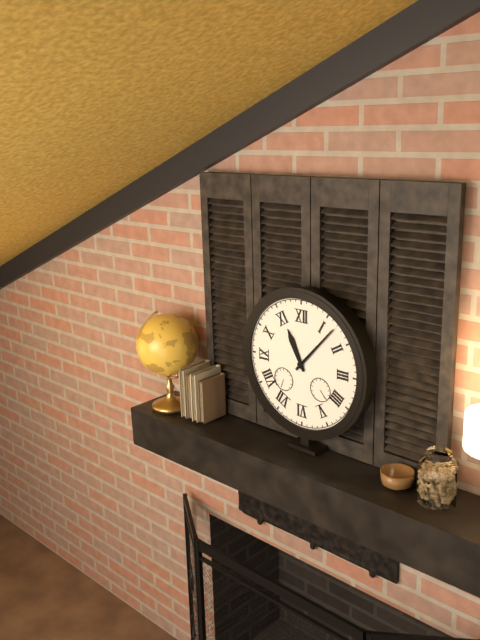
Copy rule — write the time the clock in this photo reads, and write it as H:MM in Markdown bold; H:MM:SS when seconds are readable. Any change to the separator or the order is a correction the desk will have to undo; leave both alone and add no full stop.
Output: **11:07**
